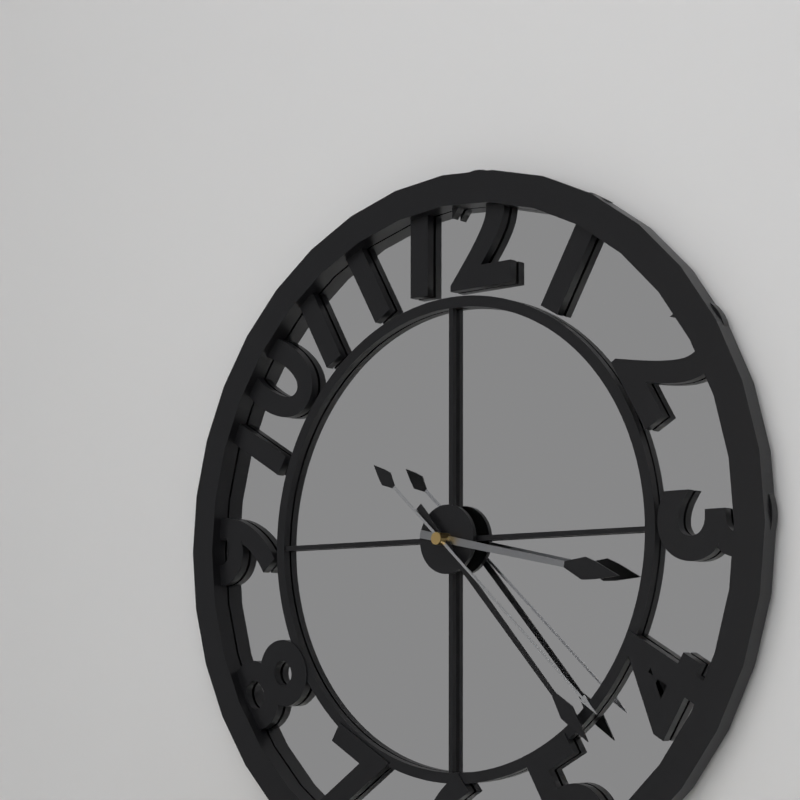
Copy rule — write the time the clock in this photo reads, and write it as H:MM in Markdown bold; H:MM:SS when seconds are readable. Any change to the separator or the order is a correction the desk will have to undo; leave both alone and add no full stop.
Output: **3:23:22**
